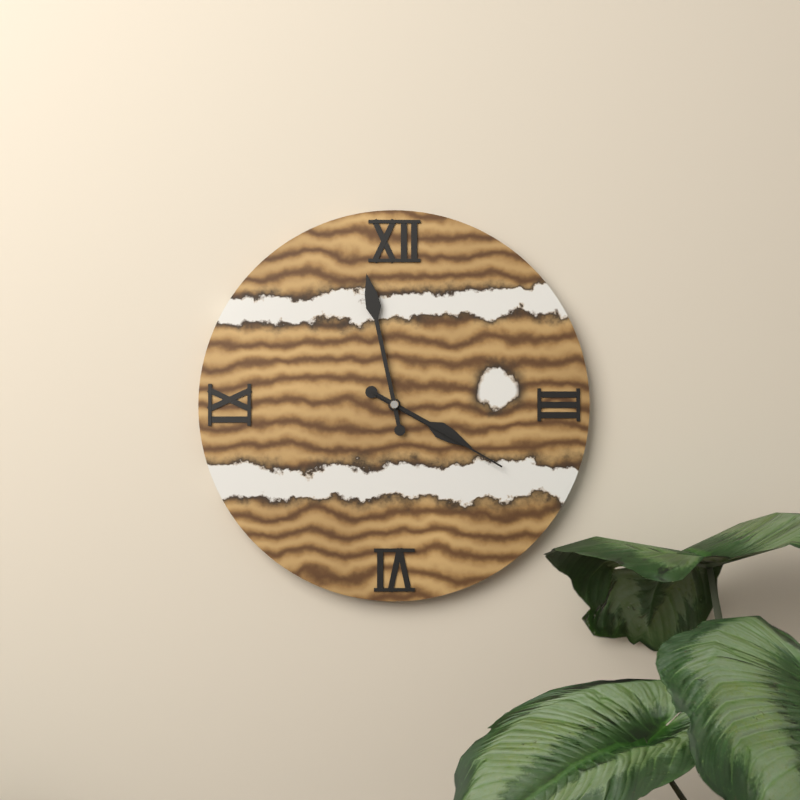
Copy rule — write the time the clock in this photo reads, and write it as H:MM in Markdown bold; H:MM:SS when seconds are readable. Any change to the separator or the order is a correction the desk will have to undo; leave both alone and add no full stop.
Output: **3:58:20**
